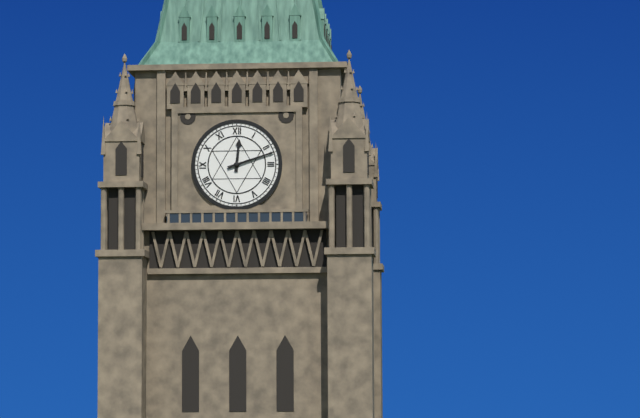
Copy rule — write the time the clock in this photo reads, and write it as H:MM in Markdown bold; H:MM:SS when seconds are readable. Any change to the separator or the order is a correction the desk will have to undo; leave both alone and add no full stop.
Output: **12:12**
